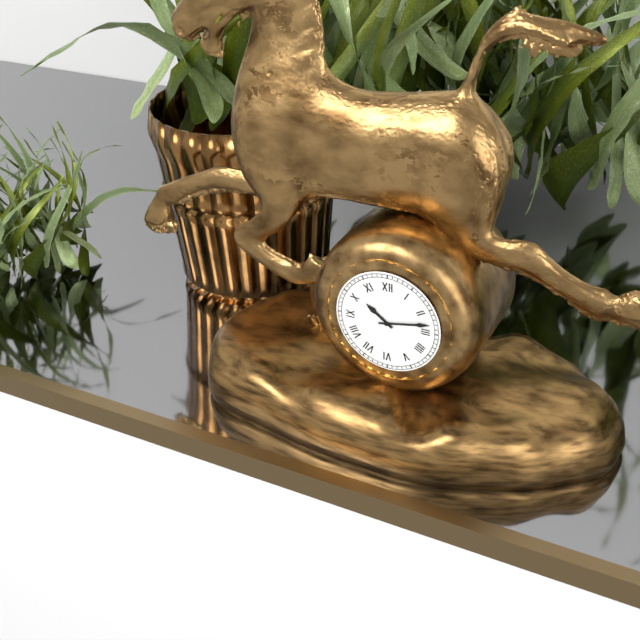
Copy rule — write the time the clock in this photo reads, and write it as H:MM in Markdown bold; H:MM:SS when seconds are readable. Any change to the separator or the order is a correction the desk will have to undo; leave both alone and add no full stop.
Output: **10:13**
